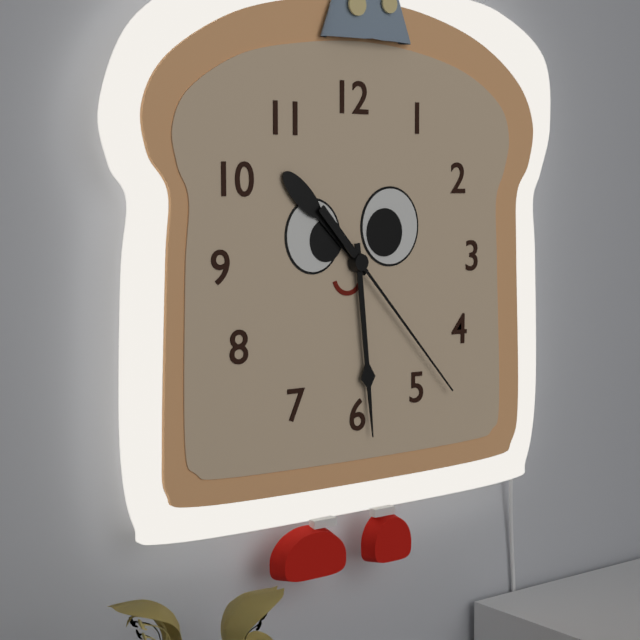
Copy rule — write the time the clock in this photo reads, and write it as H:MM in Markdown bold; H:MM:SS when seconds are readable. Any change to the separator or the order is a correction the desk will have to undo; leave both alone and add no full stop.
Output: **10:29:23**
